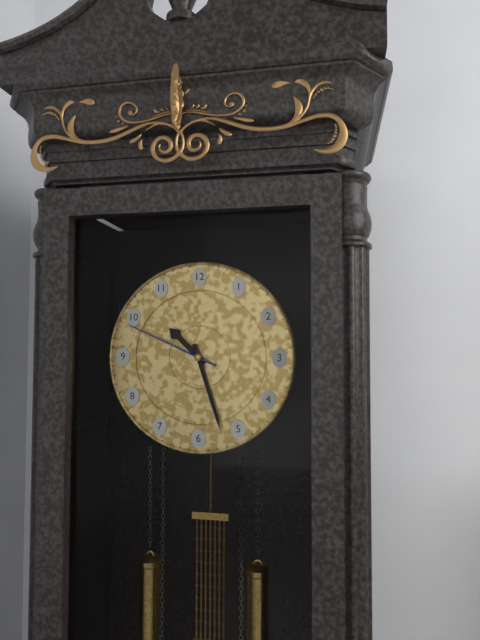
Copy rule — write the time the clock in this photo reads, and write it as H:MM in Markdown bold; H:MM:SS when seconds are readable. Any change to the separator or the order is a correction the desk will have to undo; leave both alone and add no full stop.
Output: **10:27:49**
